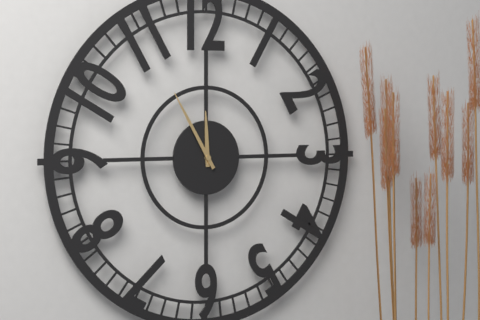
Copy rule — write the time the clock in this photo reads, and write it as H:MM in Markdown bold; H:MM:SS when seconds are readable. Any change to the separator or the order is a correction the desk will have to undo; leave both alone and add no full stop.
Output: **11:55**
